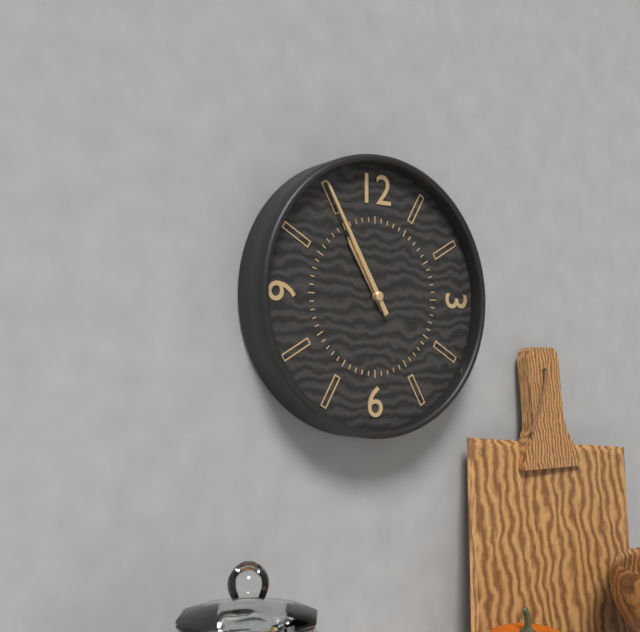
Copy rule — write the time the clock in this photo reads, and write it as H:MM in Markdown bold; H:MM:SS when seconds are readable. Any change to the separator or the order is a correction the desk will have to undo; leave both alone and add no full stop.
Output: **10:55**
